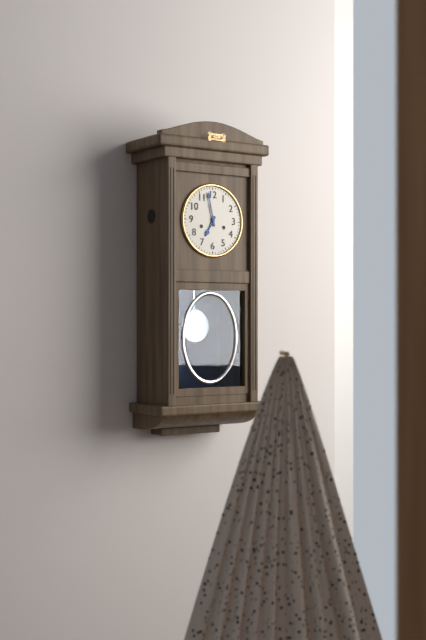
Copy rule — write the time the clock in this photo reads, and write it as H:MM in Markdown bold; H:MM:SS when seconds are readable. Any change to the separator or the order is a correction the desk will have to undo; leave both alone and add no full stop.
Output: **6:58**
